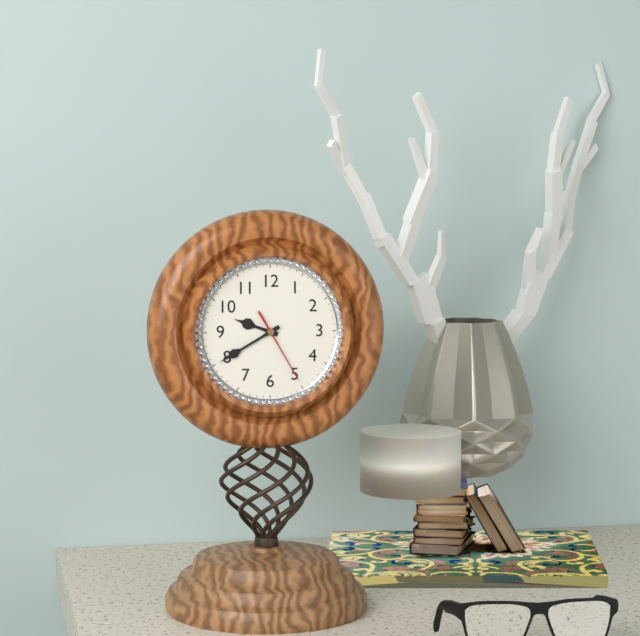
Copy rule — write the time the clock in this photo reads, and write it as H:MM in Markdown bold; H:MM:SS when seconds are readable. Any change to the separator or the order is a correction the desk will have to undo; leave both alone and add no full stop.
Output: **9:40:25**
